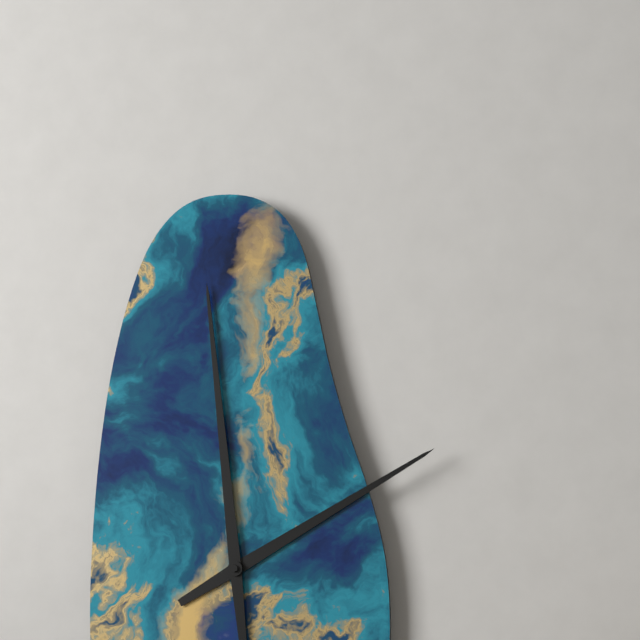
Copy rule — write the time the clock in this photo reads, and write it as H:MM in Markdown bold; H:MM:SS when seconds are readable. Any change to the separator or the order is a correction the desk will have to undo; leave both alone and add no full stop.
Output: **1:59**
